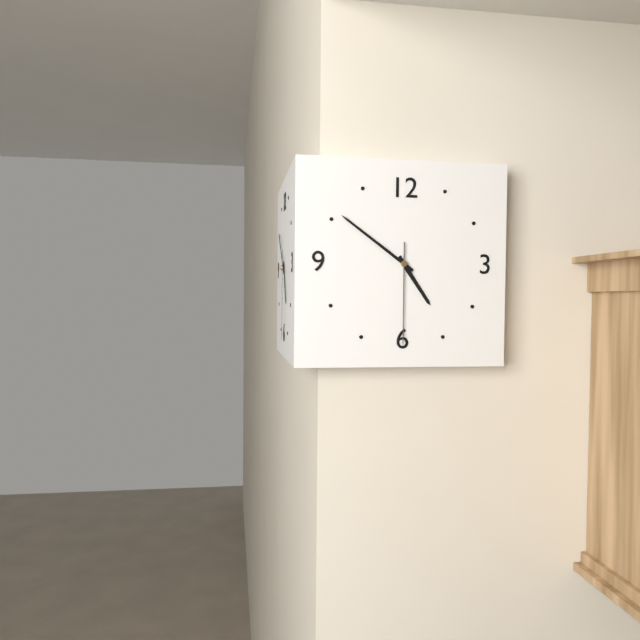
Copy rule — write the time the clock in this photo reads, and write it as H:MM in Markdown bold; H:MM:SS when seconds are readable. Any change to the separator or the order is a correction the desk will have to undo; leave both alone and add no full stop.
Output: **4:51:30**
